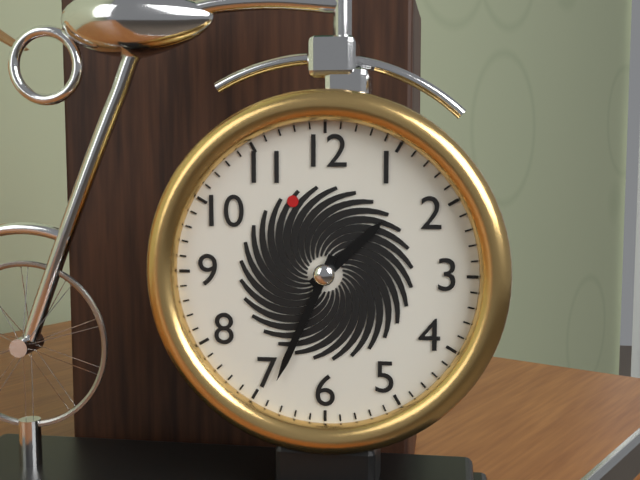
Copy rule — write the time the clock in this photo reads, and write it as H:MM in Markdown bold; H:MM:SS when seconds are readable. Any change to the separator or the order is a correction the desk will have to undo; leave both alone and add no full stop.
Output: **1:34**
